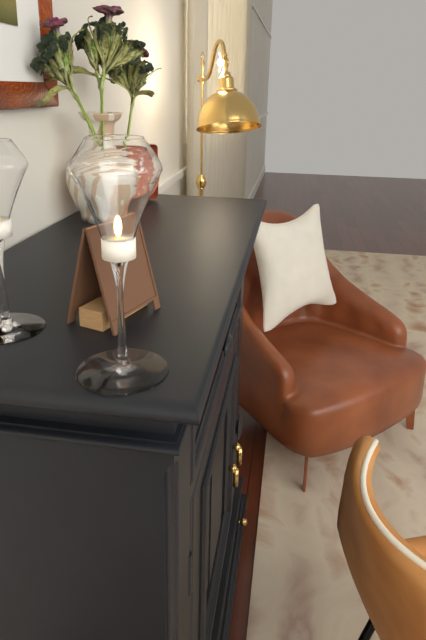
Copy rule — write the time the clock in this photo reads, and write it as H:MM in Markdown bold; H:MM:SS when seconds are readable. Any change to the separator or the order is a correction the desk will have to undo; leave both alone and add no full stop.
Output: **1:02**
